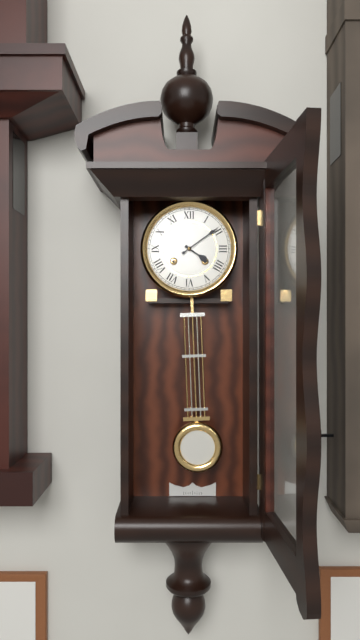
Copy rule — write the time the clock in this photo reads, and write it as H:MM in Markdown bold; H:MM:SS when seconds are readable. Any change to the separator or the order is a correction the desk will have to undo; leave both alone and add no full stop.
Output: **4:09**
